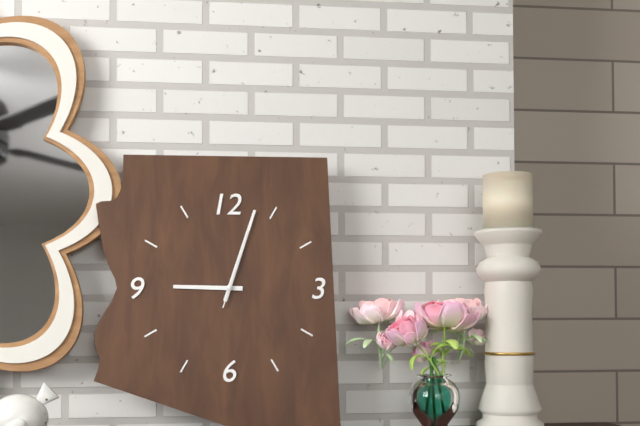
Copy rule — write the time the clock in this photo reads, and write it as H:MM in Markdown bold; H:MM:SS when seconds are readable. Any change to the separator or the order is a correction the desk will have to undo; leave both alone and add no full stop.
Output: **9:03:03**
